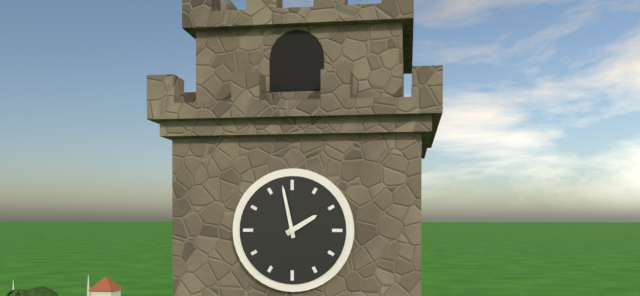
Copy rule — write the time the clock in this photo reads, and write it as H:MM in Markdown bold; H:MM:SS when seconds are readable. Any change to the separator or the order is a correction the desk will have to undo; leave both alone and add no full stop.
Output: **1:58**
